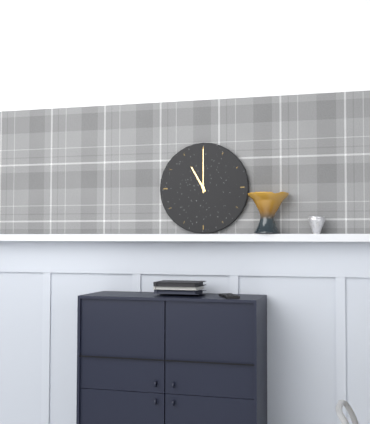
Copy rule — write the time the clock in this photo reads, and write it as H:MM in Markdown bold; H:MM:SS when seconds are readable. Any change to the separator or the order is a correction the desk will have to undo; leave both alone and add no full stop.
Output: **11:00**
